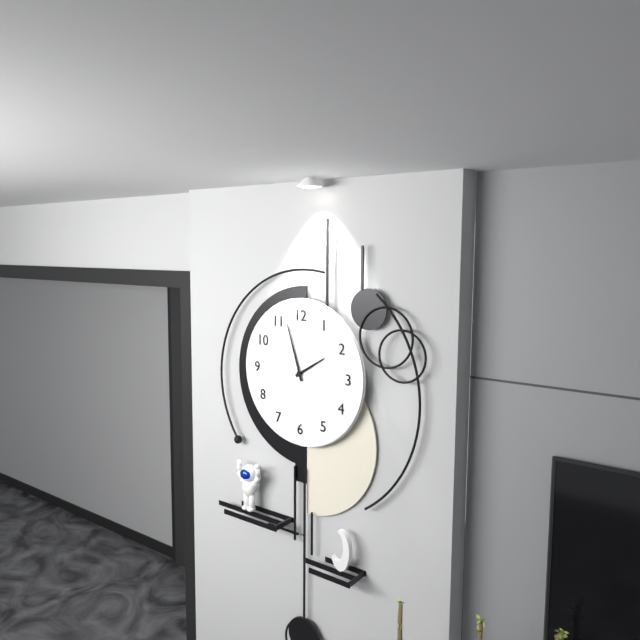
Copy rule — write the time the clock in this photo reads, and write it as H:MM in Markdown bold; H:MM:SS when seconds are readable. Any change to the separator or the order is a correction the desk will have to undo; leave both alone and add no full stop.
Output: **1:57**
